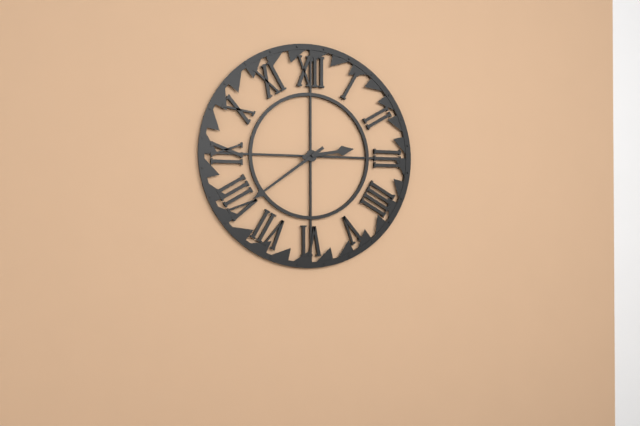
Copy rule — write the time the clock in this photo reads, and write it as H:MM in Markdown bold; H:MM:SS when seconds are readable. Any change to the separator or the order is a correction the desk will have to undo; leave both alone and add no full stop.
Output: **2:39**
